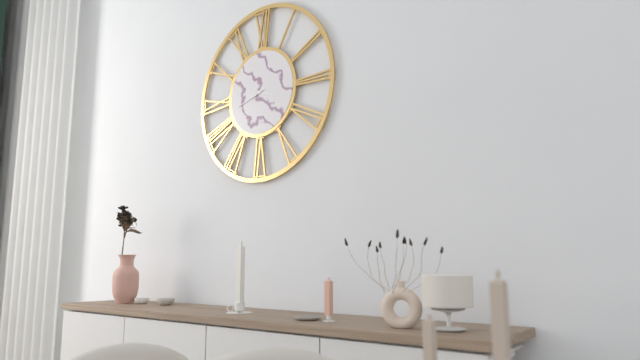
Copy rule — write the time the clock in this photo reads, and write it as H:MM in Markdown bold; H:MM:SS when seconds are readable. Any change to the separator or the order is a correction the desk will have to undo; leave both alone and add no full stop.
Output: **3:42**
